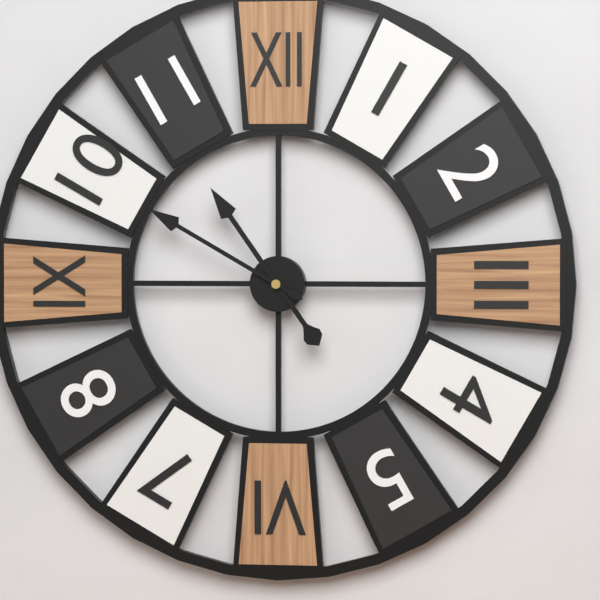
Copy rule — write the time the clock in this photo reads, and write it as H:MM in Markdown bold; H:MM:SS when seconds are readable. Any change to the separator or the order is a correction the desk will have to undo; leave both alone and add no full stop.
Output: **10:50**
